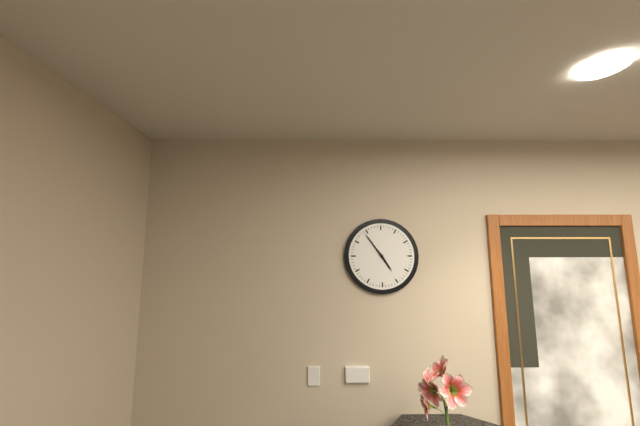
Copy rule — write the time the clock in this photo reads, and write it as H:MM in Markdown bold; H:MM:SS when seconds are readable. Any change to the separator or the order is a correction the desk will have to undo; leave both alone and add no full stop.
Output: **4:54**
